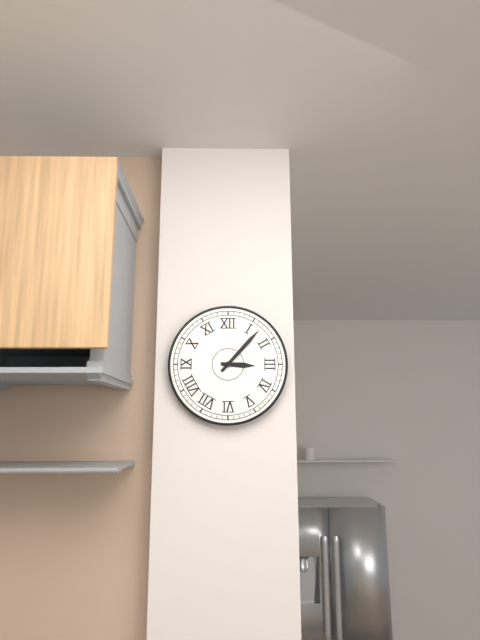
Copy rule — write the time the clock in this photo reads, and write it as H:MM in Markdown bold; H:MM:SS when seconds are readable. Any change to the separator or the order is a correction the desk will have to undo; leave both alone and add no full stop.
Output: **3:07**
